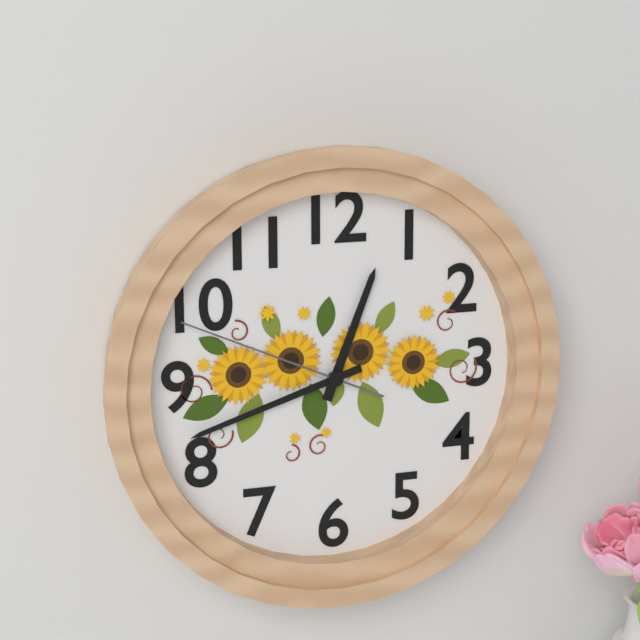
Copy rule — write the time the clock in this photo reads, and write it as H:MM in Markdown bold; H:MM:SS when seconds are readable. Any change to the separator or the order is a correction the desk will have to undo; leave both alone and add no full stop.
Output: **12:42:49**
